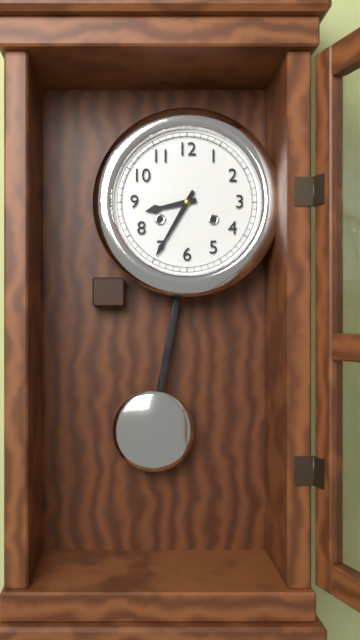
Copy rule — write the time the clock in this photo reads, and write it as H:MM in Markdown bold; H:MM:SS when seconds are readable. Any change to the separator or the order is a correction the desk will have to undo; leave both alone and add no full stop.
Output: **8:35**
